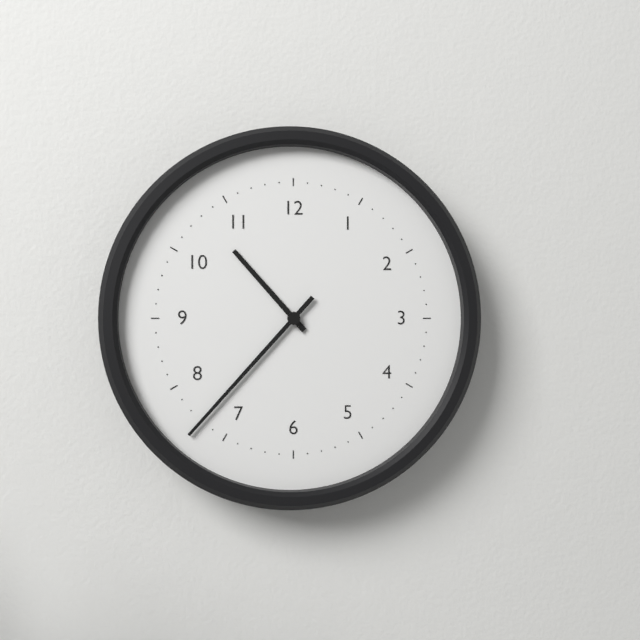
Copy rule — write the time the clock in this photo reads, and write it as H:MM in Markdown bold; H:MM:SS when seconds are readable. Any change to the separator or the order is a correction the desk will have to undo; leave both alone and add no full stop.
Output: **10:37**
